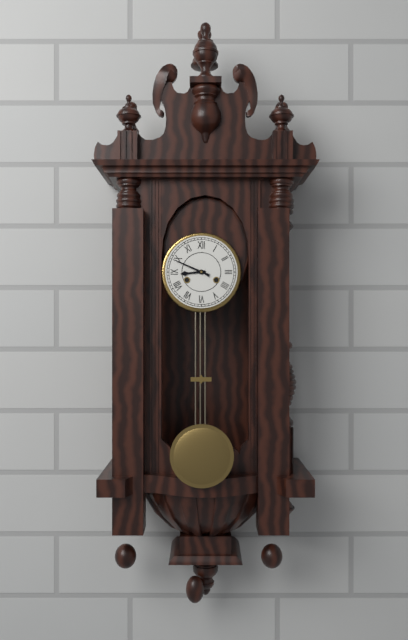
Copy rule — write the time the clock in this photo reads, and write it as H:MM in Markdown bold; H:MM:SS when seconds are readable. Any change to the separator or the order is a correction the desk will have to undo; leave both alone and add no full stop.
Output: **8:49**
